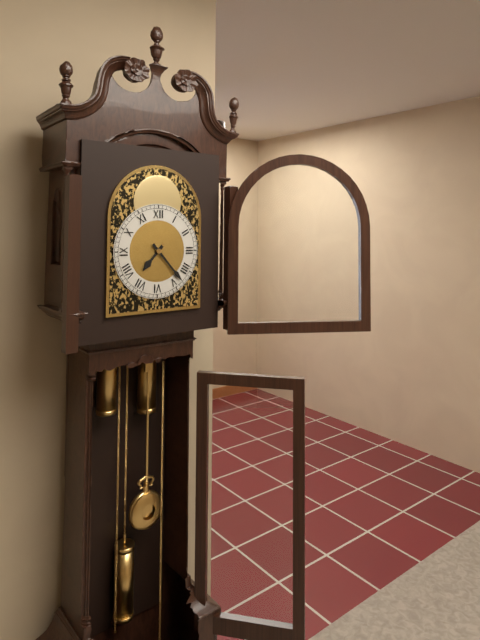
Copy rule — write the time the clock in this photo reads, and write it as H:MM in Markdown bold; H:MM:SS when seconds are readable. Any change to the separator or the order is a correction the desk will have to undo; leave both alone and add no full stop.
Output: **7:23**
